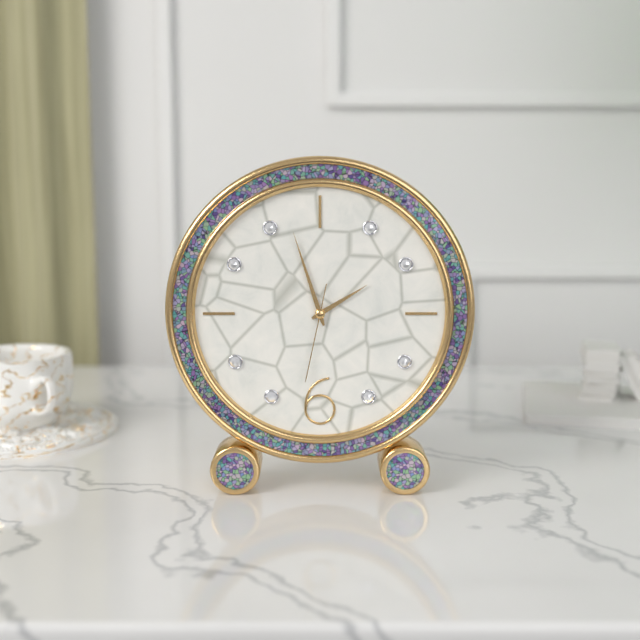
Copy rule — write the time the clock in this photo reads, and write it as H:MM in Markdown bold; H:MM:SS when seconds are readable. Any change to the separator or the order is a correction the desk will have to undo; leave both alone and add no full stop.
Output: **1:57:32**
